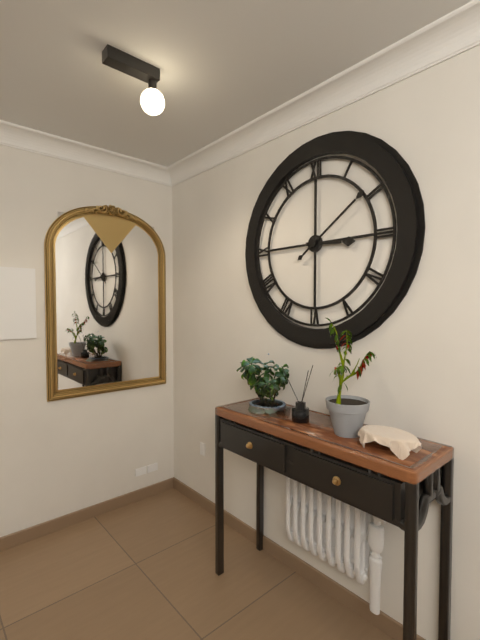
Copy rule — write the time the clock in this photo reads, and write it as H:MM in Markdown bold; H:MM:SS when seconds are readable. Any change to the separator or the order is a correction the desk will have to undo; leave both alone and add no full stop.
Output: **3:09**
